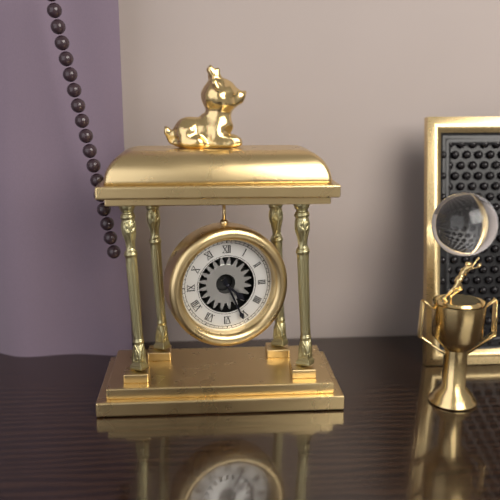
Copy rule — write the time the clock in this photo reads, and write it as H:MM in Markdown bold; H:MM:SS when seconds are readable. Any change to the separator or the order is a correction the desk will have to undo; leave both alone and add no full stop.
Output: **4:26**
